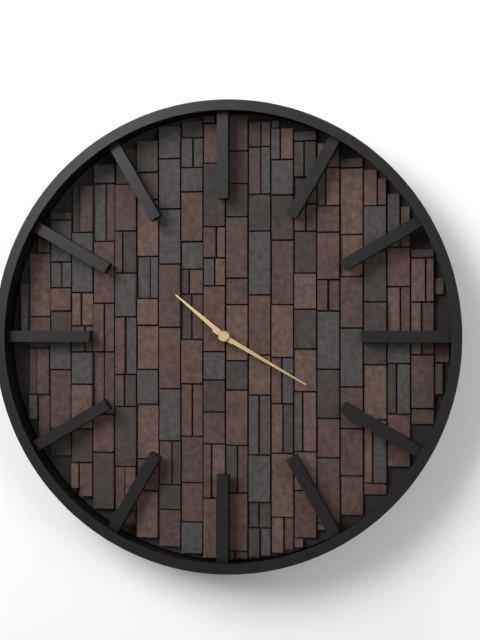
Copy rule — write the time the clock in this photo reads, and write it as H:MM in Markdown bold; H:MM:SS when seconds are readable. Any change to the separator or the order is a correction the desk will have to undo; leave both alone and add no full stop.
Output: **10:20**
